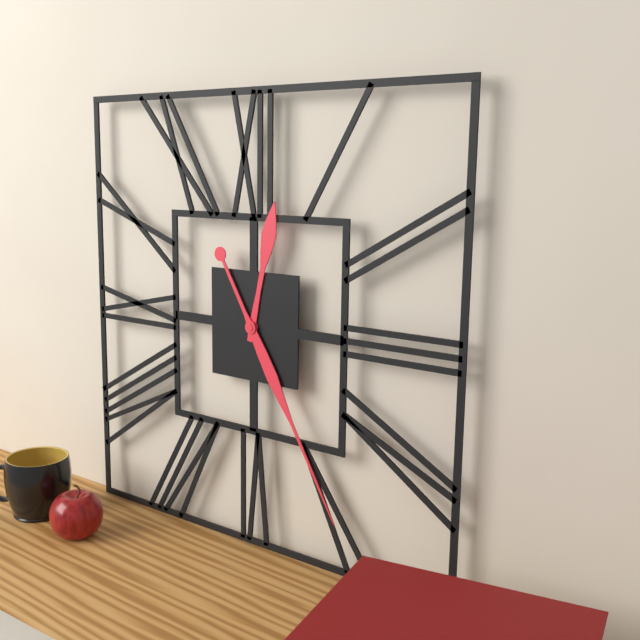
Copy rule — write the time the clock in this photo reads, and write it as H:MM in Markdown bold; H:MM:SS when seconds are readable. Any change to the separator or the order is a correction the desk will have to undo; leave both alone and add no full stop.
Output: **12:25**
